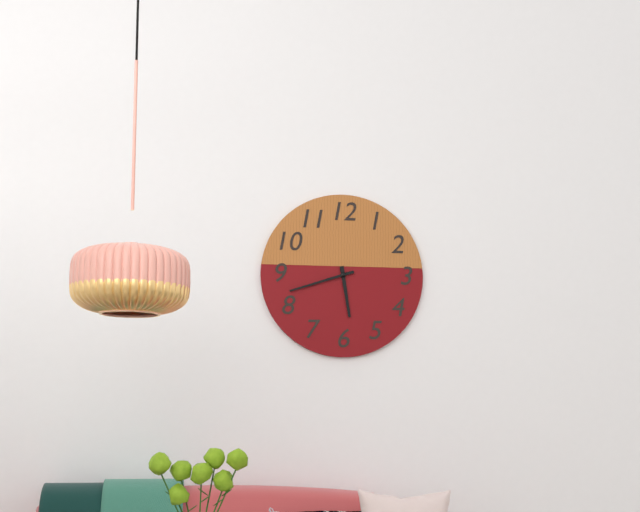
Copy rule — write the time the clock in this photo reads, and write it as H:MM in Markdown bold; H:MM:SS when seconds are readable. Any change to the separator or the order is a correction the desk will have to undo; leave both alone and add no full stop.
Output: **5:42**
